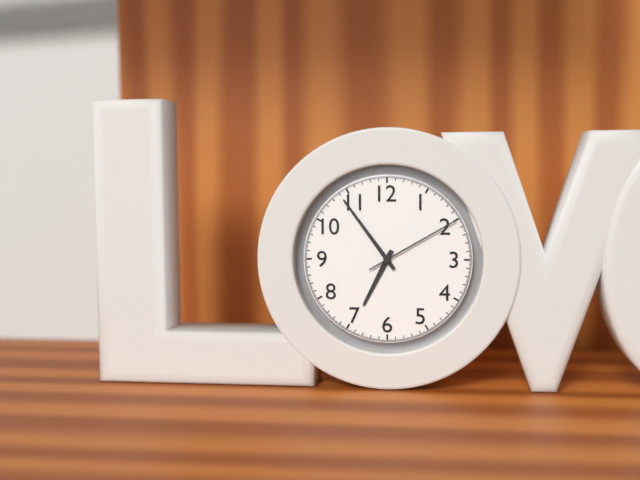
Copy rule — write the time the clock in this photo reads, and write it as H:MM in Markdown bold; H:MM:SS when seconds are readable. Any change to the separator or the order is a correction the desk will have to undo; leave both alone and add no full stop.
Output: **6:54:10**
